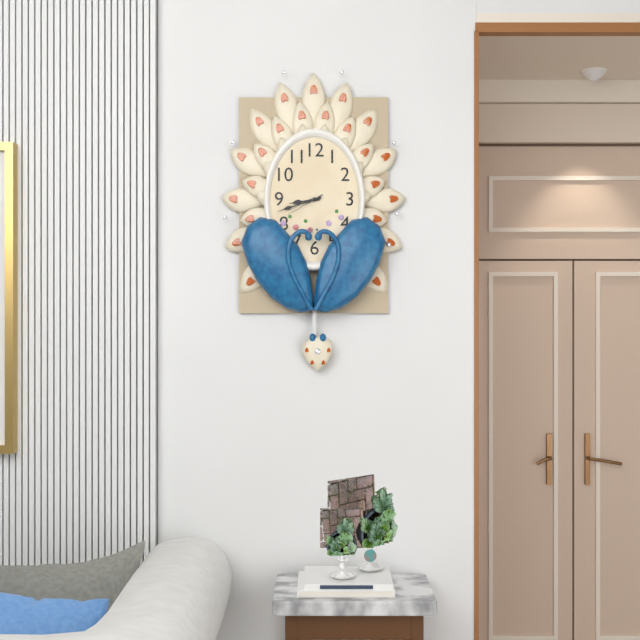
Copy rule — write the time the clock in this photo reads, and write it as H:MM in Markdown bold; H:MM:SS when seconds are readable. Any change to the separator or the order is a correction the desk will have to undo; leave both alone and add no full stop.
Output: **8:42**
